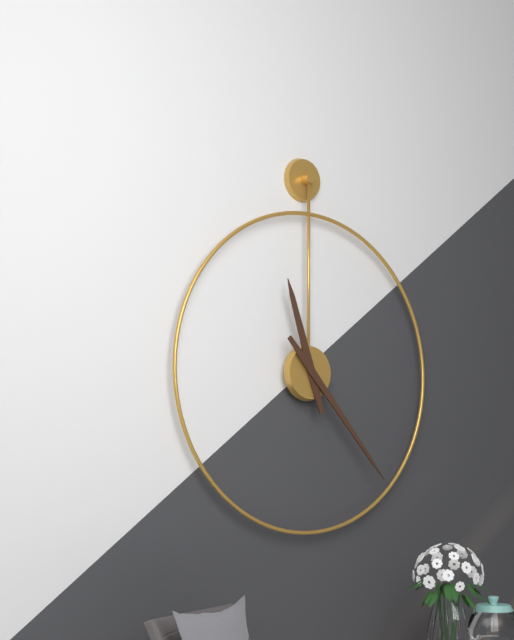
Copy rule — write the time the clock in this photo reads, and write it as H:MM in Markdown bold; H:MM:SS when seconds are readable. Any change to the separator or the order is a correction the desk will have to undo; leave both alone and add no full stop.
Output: **11:23**
